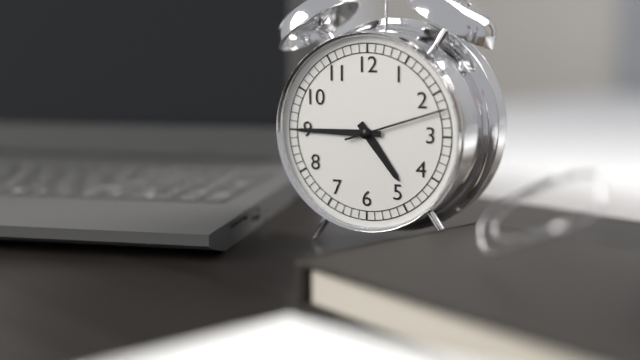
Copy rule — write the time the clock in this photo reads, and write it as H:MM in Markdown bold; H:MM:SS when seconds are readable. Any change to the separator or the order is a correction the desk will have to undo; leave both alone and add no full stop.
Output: **4:45:12**
